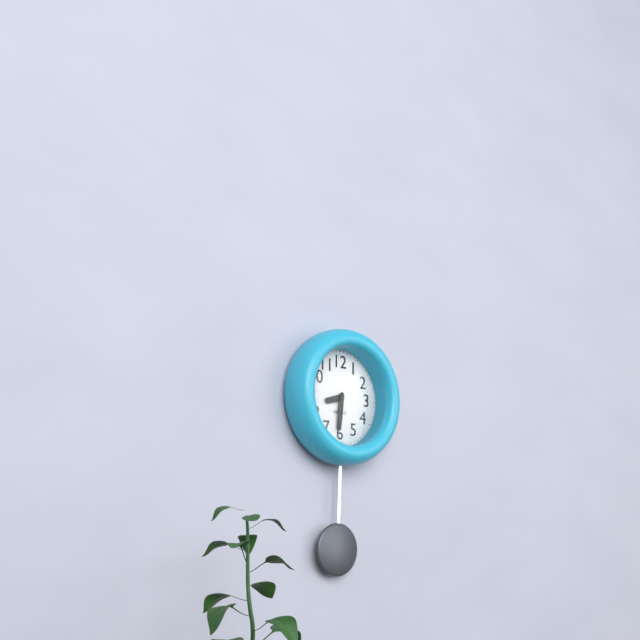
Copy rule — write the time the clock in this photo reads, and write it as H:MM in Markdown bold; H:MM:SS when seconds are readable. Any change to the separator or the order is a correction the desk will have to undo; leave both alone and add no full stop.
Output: **8:31**
